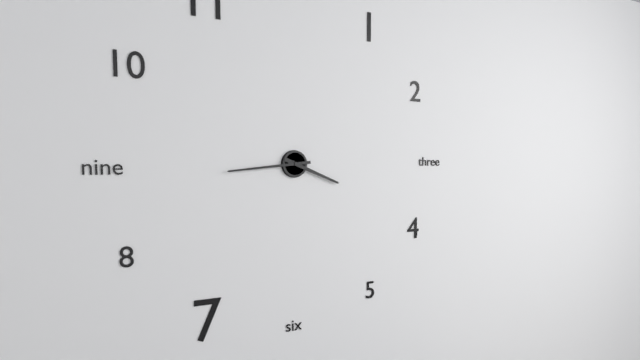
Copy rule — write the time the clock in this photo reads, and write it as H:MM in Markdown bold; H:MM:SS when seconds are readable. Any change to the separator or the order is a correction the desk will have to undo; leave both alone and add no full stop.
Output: **3:44**
